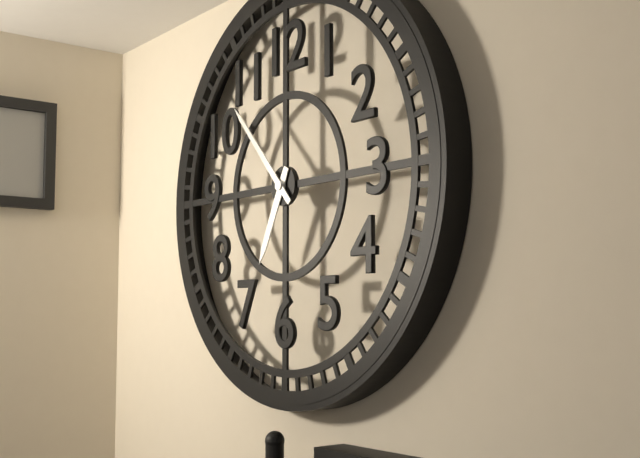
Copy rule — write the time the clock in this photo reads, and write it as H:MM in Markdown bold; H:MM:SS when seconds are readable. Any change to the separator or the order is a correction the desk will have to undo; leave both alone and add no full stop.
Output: **6:53**
